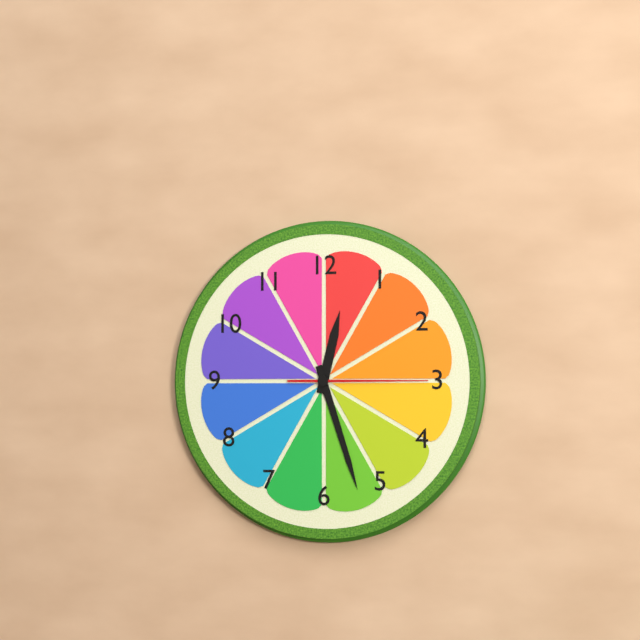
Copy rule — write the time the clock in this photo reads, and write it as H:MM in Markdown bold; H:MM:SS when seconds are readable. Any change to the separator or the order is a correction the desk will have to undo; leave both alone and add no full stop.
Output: **12:27:15**
